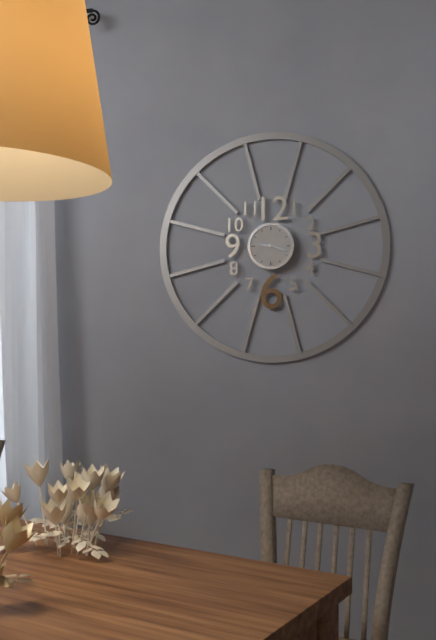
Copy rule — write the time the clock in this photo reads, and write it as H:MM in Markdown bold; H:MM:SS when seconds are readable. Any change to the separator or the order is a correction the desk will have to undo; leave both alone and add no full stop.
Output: **9:18**
